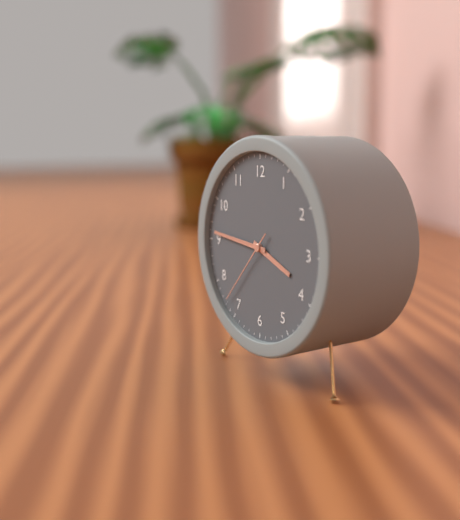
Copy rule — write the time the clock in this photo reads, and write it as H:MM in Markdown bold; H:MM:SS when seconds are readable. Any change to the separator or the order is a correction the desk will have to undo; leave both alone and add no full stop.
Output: **3:46:37**
